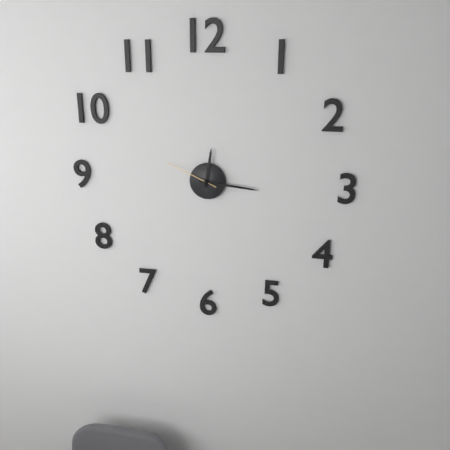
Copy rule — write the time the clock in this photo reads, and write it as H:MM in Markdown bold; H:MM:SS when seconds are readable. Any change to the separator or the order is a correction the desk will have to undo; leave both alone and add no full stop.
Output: **12:16:49**
